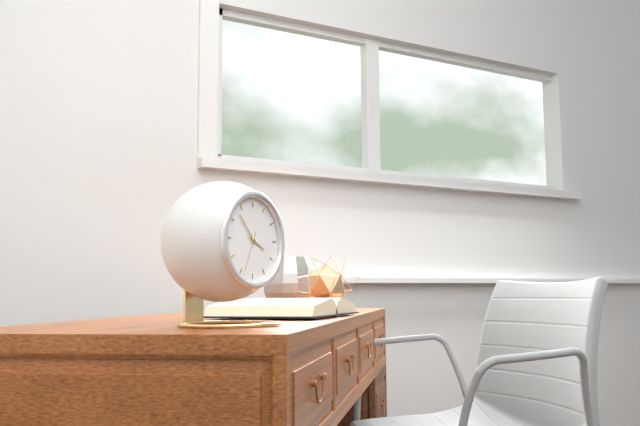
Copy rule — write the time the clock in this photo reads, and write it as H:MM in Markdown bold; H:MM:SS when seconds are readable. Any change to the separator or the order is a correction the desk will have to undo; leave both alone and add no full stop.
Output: **3:53**
